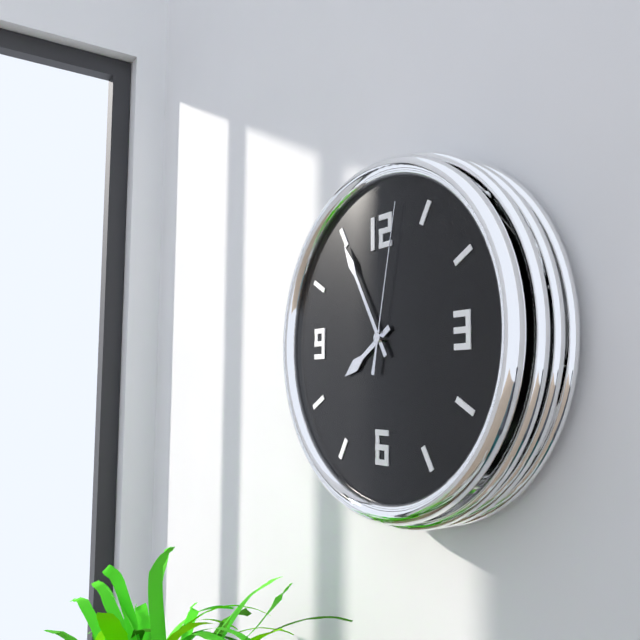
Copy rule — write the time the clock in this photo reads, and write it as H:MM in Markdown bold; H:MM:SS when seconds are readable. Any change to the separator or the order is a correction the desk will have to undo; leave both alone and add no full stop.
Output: **7:55:02**
